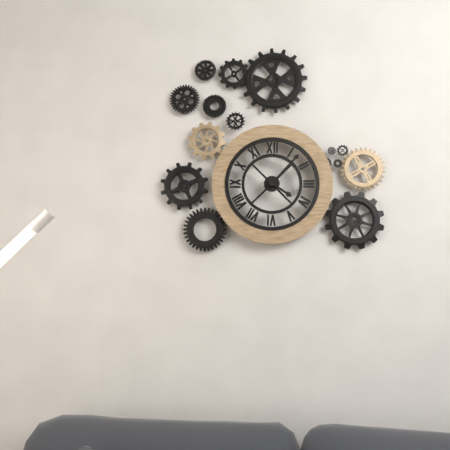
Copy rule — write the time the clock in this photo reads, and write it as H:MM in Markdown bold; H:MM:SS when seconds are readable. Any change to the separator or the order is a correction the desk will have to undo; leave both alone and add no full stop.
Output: **4:07**
